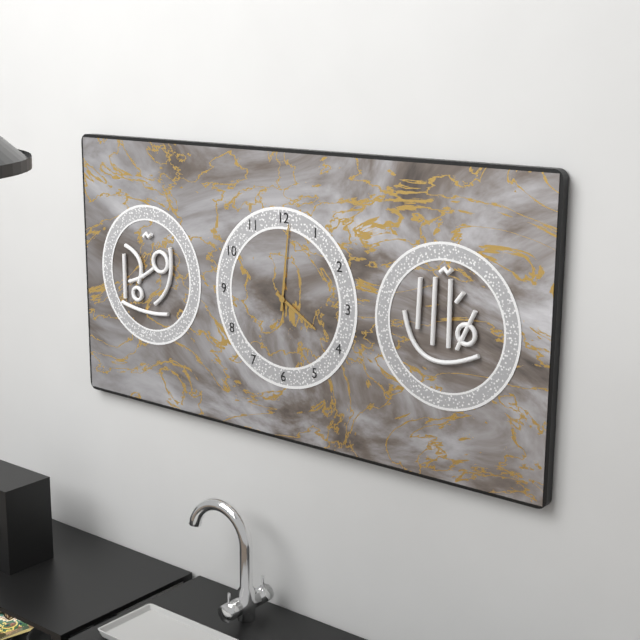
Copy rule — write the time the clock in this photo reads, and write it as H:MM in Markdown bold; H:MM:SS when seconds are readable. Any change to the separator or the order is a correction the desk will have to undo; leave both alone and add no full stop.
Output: **4:01**
